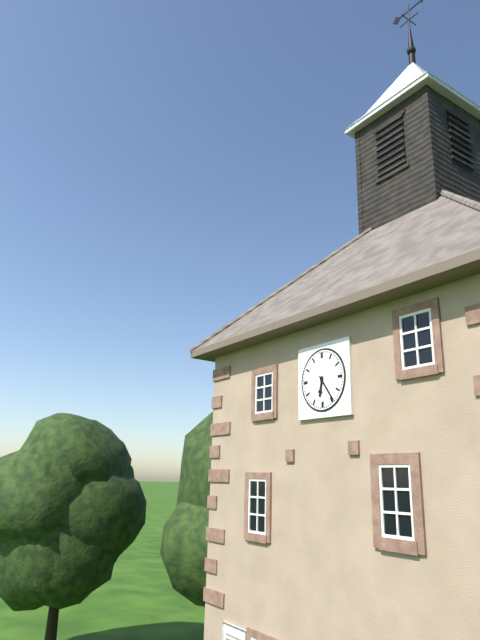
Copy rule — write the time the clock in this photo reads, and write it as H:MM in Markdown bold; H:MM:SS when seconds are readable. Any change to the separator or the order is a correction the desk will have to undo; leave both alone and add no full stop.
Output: **6:24**
